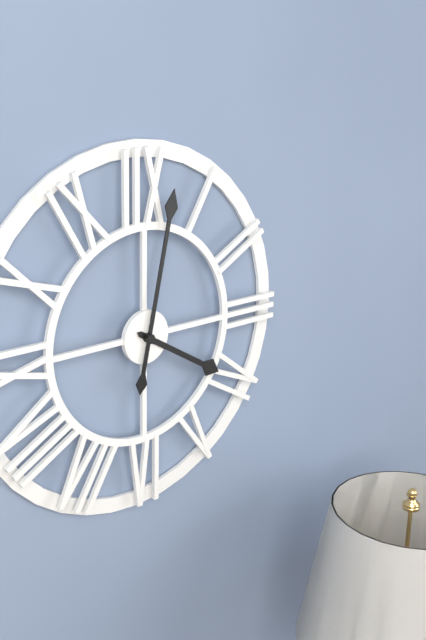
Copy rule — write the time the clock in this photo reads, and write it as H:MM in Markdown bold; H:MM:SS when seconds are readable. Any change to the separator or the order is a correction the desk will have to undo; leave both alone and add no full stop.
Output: **4:02**
